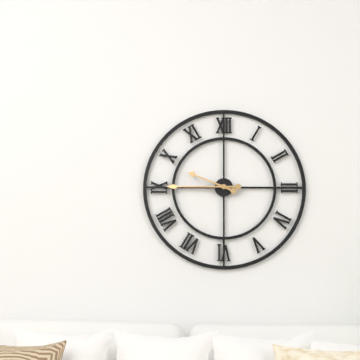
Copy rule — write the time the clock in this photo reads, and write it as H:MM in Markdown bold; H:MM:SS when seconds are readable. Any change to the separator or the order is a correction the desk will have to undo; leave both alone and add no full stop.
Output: **9:45**
